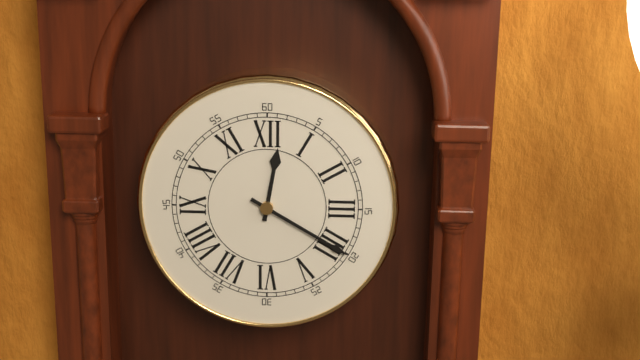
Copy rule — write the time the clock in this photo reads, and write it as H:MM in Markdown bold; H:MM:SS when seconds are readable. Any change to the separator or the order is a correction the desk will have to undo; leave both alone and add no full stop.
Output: **12:20**
